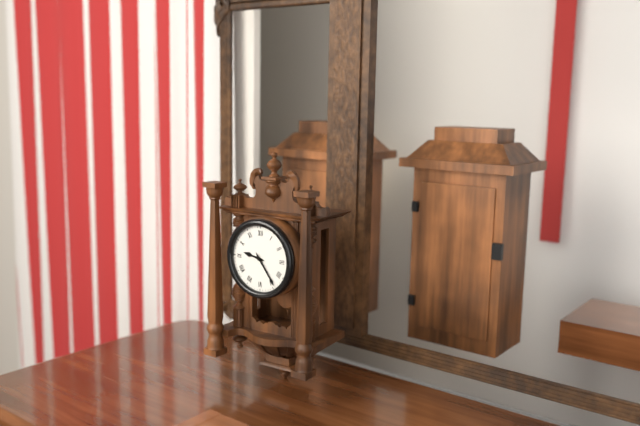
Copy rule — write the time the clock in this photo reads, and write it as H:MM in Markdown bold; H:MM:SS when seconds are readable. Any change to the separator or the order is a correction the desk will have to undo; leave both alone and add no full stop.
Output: **9:24**
